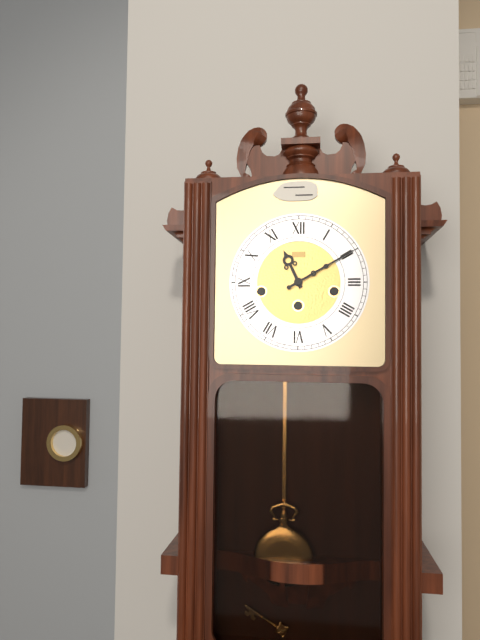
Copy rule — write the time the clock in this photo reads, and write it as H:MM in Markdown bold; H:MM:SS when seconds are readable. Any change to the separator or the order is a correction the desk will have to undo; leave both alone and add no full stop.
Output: **11:10**
